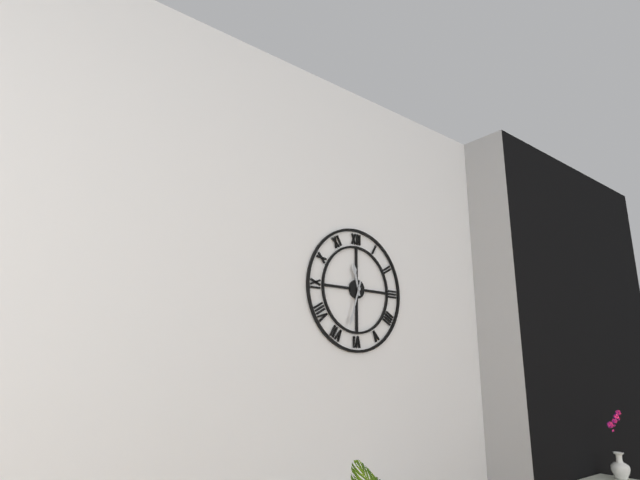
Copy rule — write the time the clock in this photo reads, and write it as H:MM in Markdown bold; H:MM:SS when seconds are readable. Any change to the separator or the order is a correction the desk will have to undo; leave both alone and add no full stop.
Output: **11:33**
